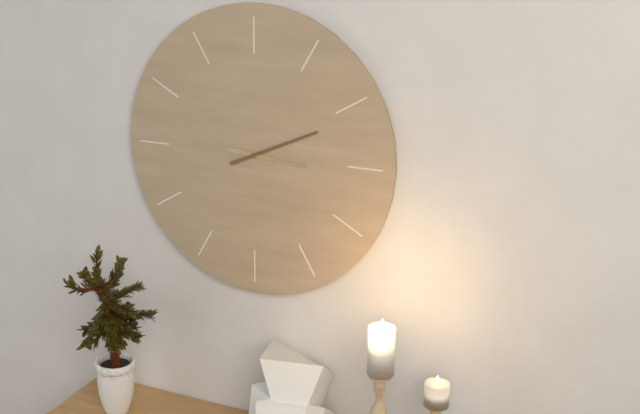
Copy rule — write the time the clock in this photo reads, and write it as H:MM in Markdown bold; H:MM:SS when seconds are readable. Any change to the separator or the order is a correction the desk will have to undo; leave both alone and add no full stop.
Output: **3:11**
